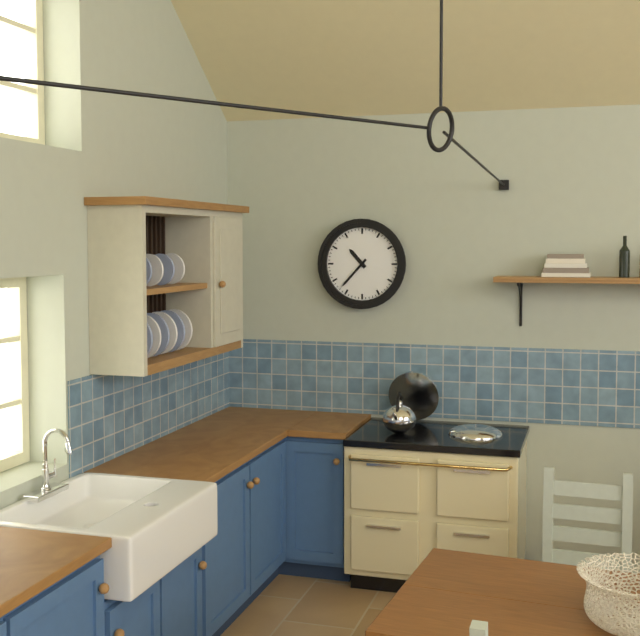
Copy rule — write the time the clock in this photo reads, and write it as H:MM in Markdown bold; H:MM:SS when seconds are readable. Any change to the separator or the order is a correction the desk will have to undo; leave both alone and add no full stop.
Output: **10:37**
